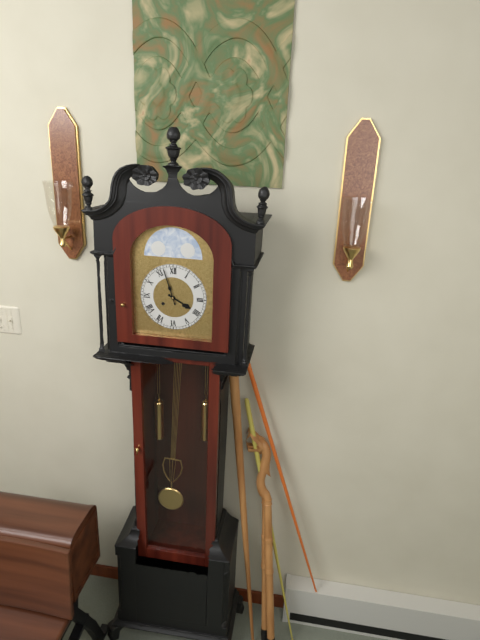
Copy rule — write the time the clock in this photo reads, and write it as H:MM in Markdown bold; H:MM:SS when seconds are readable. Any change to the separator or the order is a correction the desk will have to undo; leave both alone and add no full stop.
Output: **3:57**
